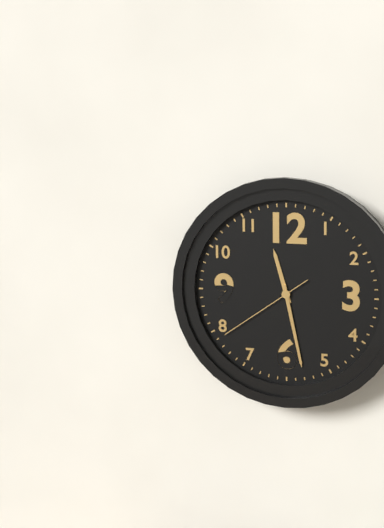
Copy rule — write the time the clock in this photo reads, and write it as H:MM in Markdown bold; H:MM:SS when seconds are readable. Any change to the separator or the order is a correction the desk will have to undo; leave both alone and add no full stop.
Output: **11:28:39**
